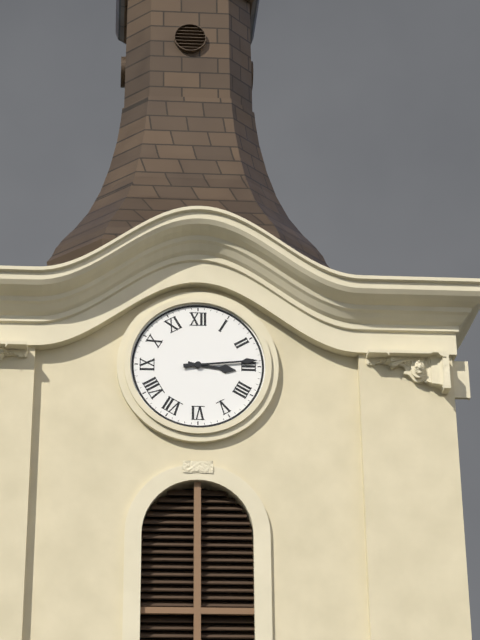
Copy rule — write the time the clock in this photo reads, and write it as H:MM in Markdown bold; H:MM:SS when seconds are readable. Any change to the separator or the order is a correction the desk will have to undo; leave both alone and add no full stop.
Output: **3:14**
